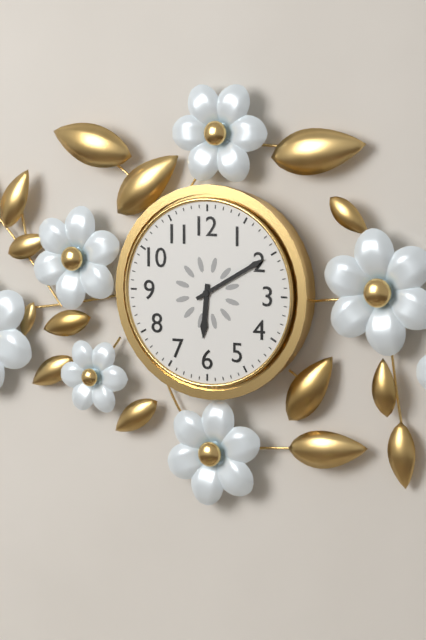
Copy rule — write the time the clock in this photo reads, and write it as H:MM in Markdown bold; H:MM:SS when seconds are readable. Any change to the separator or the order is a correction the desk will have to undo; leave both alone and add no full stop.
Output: **6:10**
